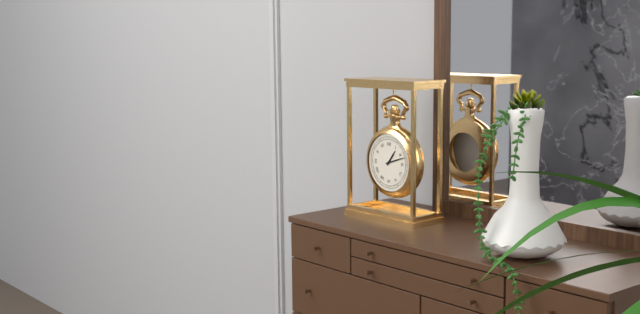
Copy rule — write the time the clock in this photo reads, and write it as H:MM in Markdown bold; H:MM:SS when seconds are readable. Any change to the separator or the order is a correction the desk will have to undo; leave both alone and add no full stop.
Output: **1:12**
